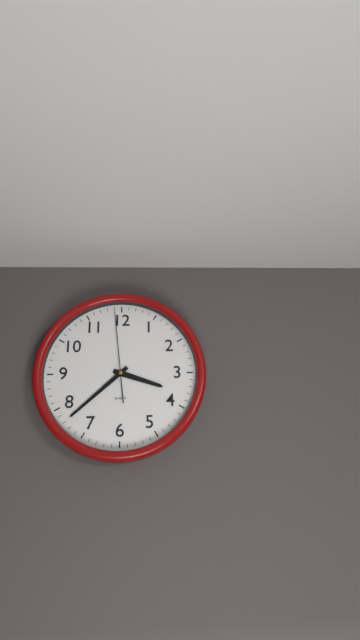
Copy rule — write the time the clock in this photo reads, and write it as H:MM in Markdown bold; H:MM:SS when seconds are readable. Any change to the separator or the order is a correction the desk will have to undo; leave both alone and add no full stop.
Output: **3:38:59**
